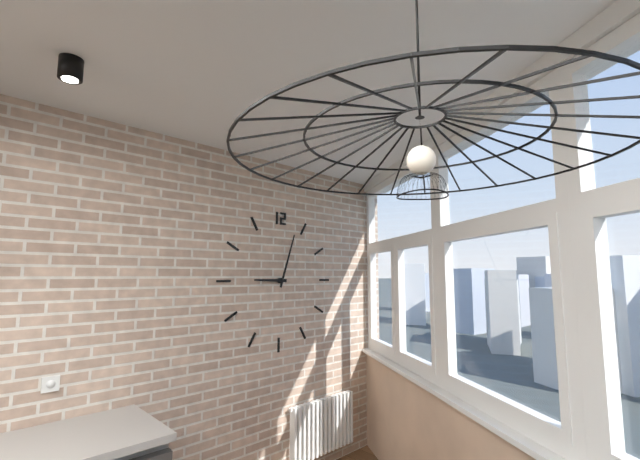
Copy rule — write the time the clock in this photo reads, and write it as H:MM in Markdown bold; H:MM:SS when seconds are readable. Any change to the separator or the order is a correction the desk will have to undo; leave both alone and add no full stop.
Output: **9:03**
